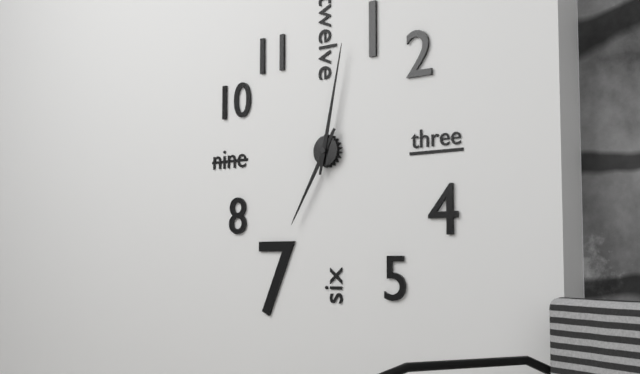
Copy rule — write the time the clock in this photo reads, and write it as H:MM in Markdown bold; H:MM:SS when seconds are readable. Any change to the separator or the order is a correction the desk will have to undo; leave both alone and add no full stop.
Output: **7:02**
